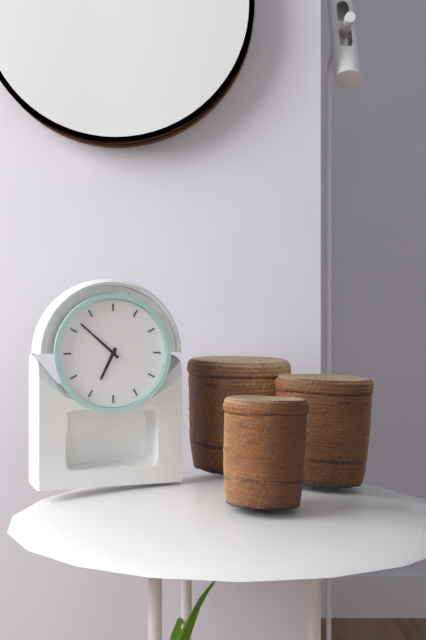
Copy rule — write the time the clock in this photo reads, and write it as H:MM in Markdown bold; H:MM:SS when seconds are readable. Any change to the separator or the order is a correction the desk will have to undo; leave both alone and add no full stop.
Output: **6:52**
